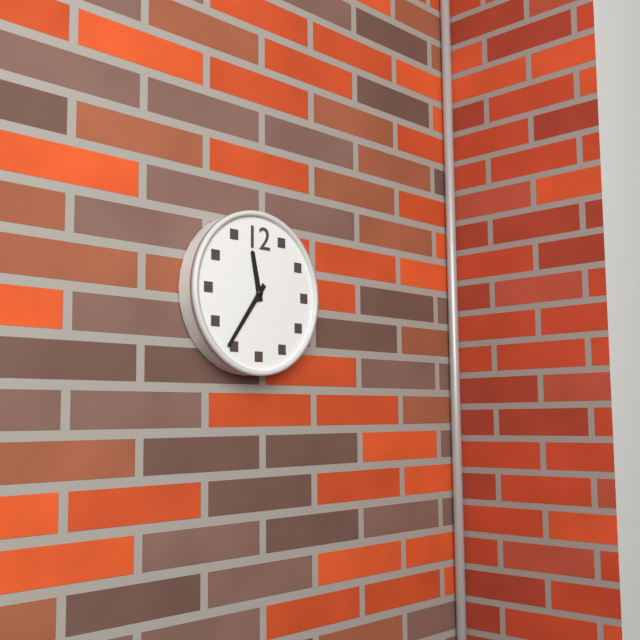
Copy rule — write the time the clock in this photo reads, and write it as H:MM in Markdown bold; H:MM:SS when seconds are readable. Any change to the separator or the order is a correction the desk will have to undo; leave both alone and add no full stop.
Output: **11:36**
